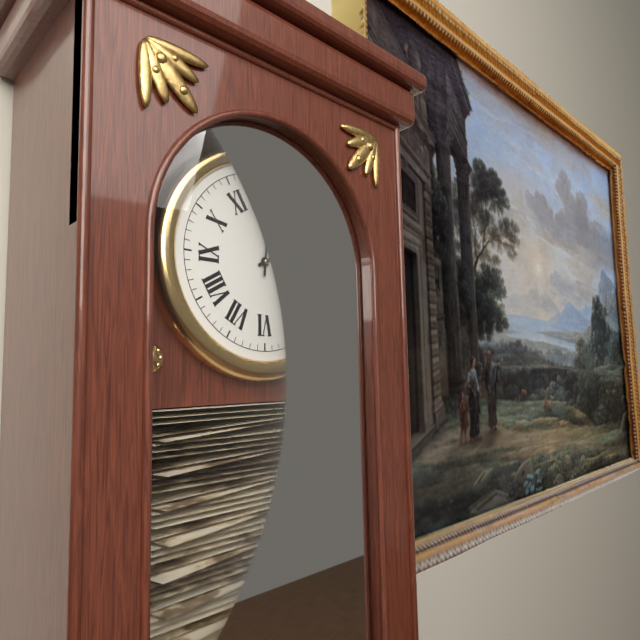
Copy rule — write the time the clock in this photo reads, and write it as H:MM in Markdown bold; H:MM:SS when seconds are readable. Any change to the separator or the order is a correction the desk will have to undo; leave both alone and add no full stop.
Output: **2:01**
